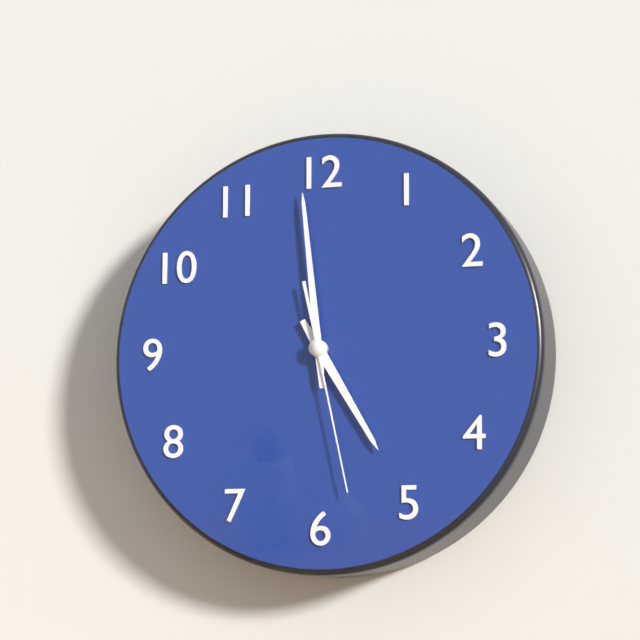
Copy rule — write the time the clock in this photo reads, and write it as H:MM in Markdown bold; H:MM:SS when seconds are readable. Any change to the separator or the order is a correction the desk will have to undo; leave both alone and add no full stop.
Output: **4:59:28**
